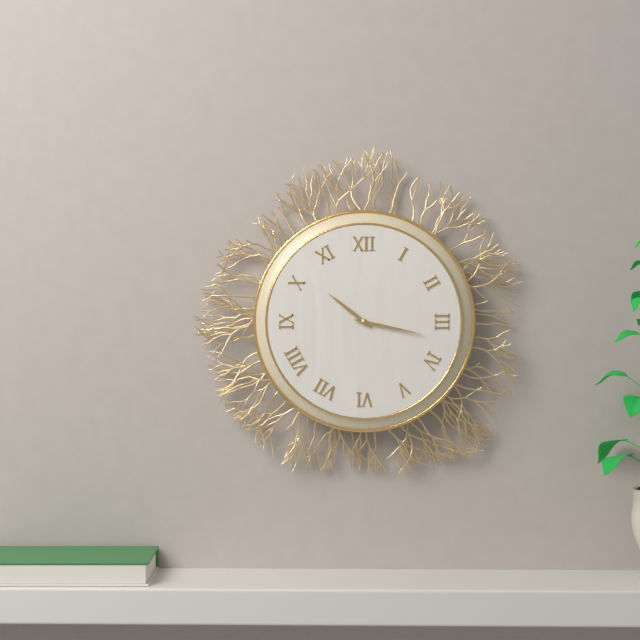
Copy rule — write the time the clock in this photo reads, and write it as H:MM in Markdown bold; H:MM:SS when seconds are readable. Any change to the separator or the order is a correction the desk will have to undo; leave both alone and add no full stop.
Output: **10:17**
